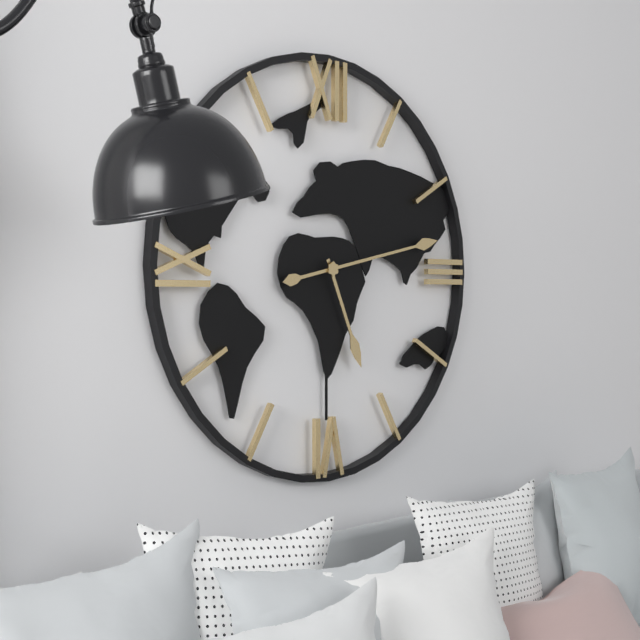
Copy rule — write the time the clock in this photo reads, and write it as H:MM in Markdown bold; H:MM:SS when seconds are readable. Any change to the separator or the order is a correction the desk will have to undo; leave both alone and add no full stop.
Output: **5:13**
